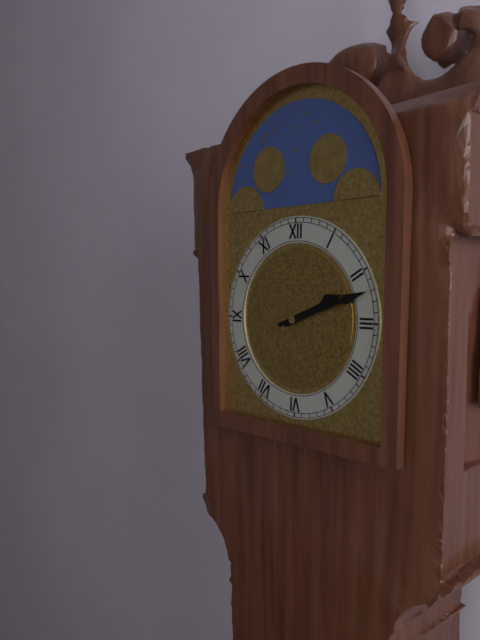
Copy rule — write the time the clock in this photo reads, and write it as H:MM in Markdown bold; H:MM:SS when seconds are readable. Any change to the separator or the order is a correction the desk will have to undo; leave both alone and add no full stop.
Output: **2:12**
